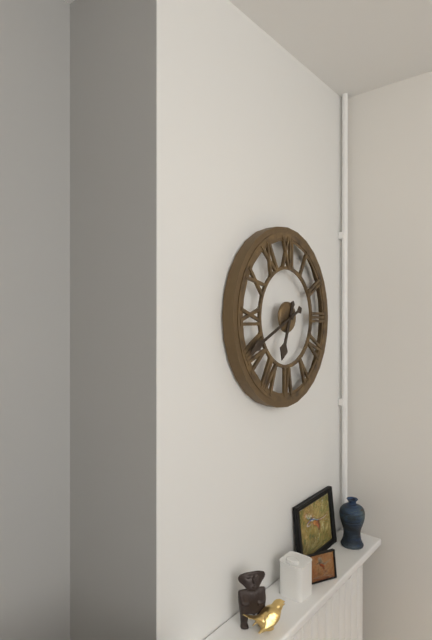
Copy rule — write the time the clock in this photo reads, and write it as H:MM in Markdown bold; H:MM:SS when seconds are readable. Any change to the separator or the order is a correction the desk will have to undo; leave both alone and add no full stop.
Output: **6:41**
